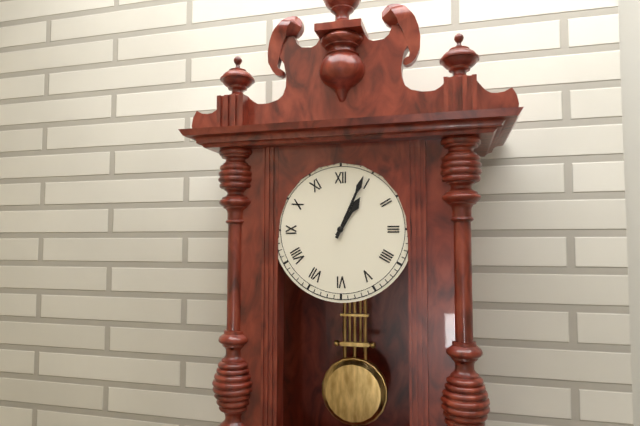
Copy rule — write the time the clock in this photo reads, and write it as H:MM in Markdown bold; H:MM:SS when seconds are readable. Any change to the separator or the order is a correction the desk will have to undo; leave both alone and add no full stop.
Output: **1:04**
